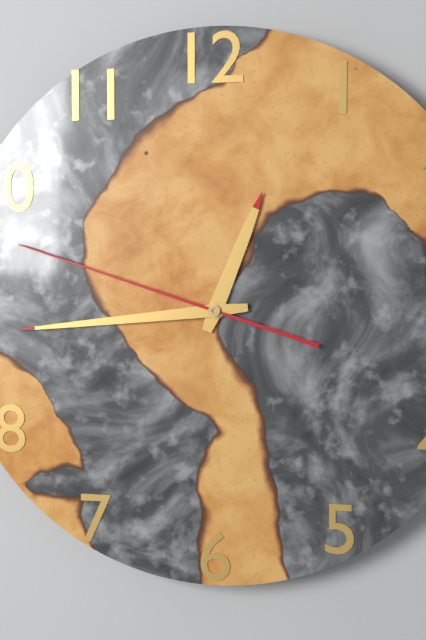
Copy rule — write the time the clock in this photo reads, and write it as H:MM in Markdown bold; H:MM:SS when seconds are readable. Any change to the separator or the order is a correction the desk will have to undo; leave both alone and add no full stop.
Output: **12:44:48**
